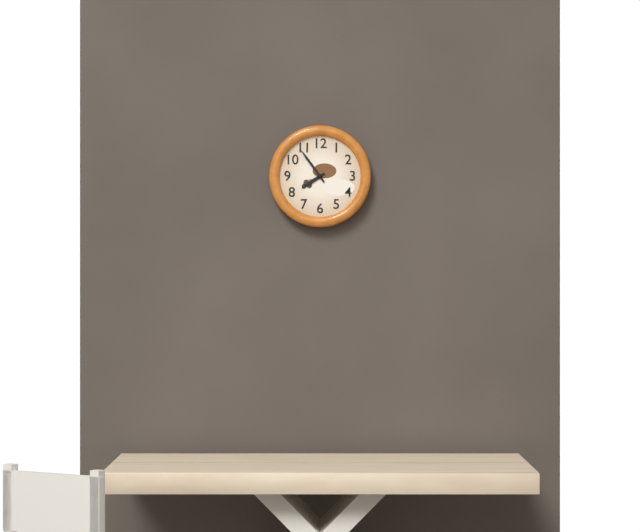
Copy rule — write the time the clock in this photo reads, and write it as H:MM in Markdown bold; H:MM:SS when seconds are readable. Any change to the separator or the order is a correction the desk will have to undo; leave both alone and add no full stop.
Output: **7:54**
